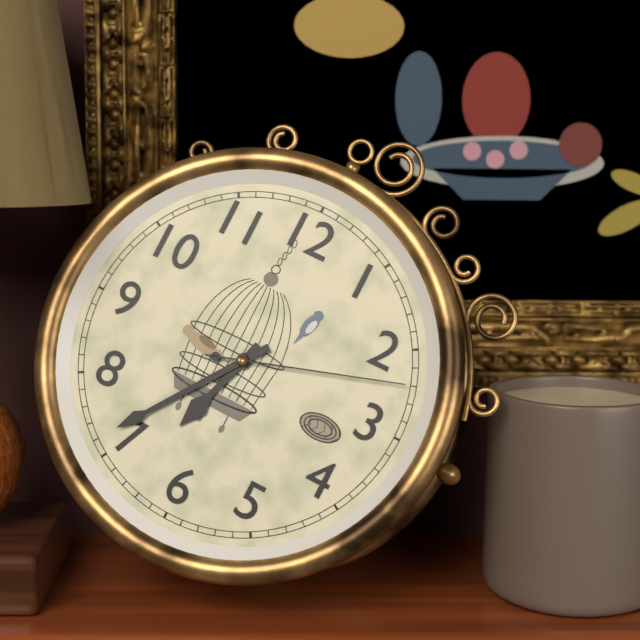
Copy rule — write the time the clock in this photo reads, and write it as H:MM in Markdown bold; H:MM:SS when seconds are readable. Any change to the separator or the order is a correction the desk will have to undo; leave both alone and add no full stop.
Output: **6:36:12**
